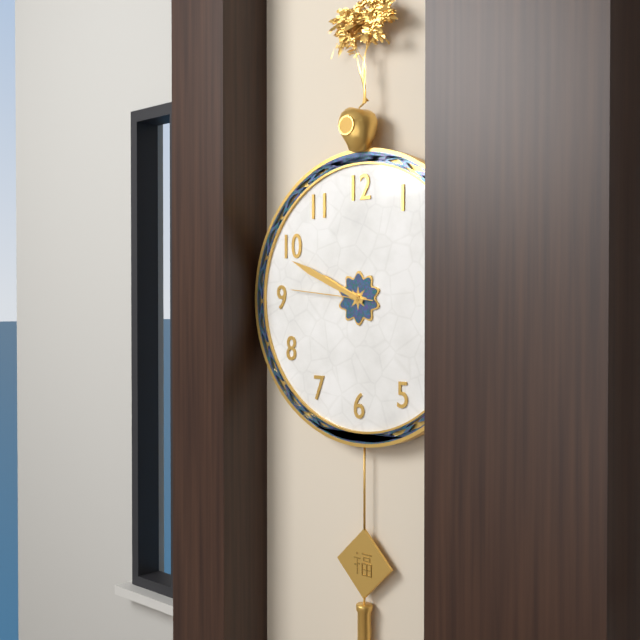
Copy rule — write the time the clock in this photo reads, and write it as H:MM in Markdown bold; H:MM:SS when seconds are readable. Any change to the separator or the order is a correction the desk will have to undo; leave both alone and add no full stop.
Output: **9:49:46**
